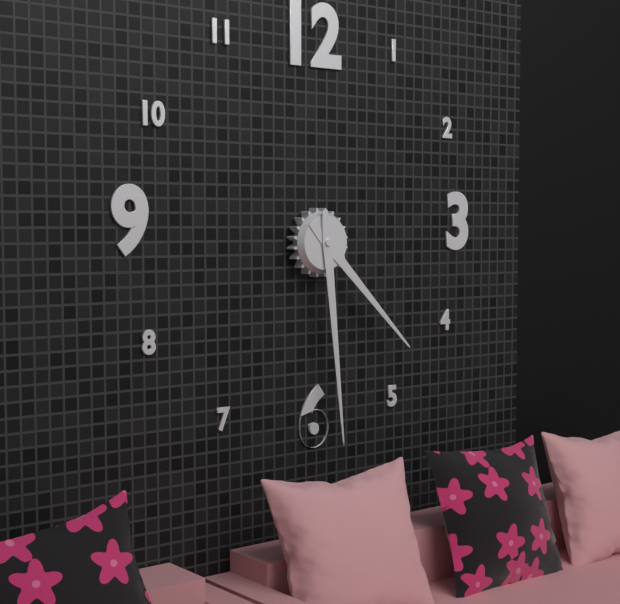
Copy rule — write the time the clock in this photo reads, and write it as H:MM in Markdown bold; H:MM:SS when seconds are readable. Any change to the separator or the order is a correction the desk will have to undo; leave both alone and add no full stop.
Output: **4:29**
